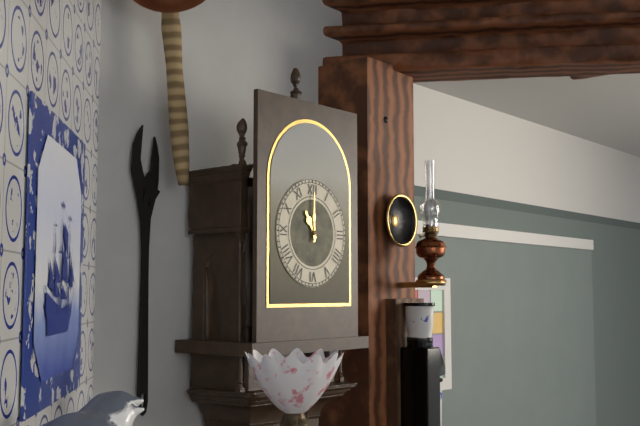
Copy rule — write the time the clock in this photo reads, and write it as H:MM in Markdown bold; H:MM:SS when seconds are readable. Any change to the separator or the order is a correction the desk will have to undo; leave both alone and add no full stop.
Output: **11:00**
